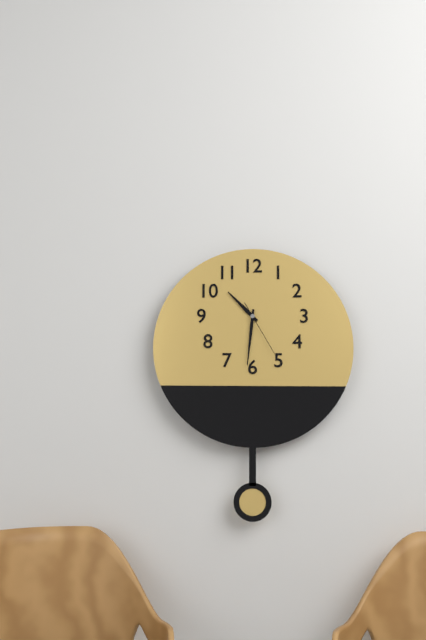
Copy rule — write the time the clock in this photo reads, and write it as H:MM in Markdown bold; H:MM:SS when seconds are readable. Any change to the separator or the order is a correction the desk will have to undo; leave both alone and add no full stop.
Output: **10:31:25**
